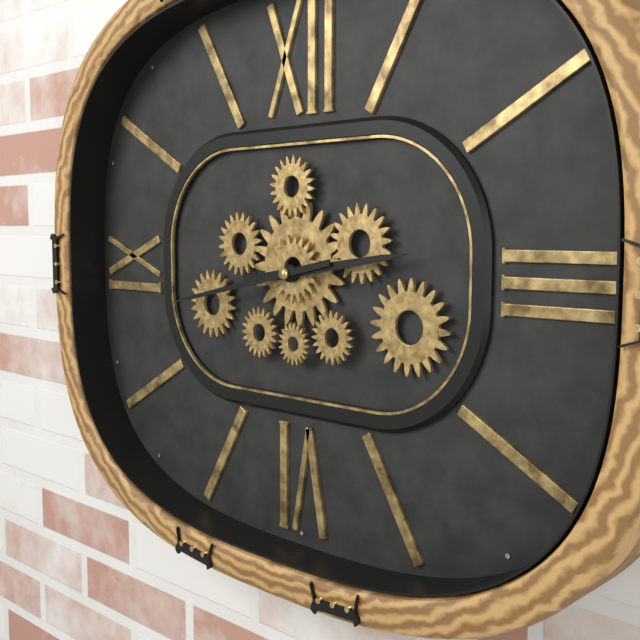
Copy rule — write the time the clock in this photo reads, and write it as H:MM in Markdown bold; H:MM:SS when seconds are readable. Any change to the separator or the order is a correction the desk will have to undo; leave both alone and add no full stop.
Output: **2:43**
